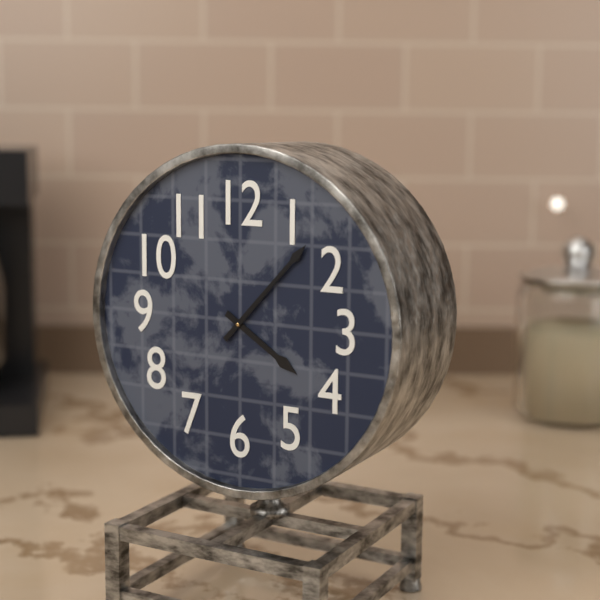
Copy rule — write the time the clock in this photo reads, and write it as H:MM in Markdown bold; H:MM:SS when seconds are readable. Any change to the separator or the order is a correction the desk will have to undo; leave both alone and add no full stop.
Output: **4:07**
